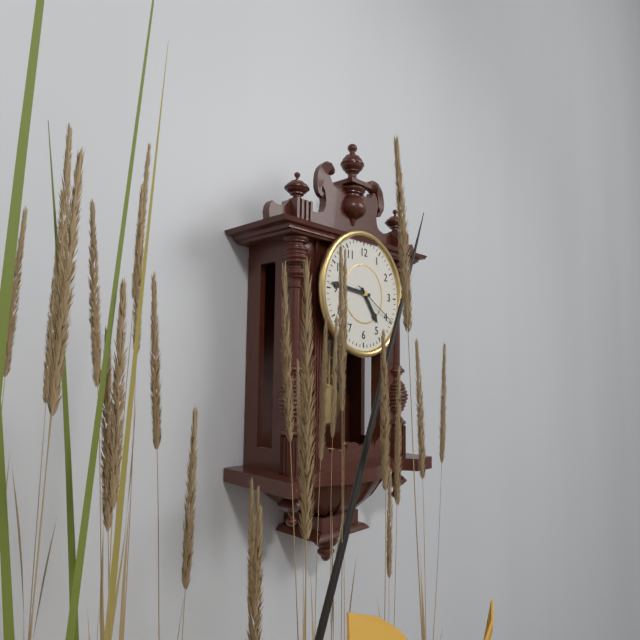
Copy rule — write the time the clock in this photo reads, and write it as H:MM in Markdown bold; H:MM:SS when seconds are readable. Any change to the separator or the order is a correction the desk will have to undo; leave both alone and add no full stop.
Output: **4:46**
